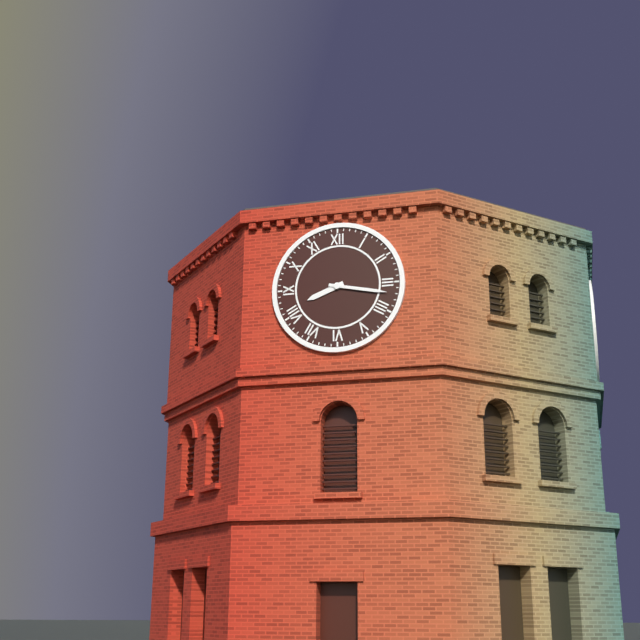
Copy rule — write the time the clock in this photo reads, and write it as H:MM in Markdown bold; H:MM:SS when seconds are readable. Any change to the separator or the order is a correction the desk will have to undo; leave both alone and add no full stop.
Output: **8:17**
